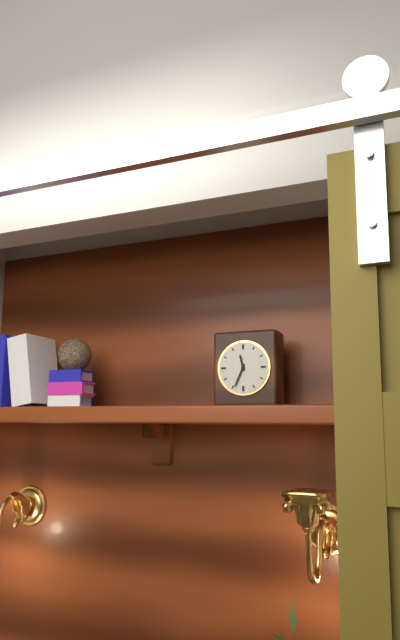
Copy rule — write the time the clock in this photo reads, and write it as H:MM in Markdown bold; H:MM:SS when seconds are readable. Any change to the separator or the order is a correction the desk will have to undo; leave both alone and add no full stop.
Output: **11:34**
